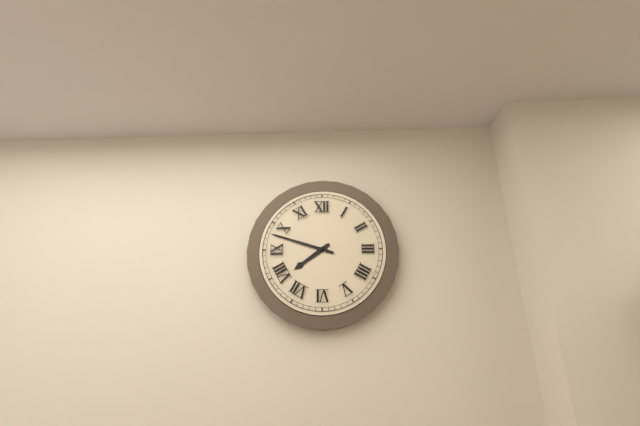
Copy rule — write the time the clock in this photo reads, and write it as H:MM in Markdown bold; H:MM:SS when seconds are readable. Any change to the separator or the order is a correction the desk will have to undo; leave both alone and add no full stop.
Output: **7:48**
